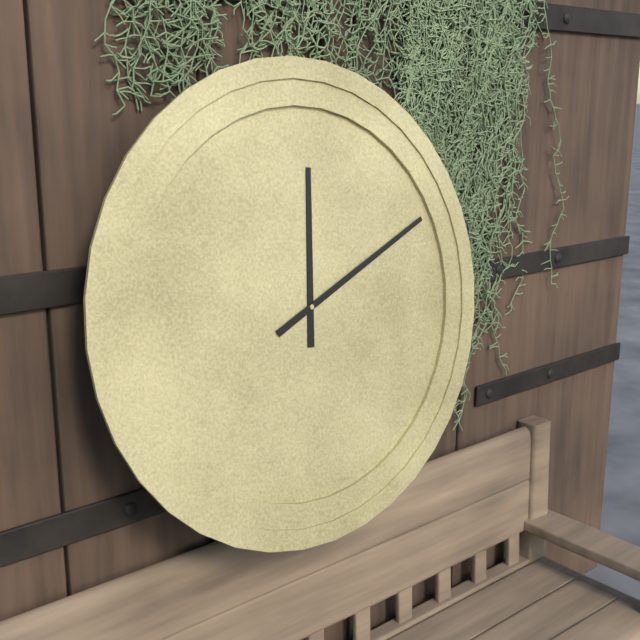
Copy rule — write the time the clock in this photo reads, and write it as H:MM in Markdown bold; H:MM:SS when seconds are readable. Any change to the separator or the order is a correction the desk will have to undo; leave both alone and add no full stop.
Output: **12:11**
